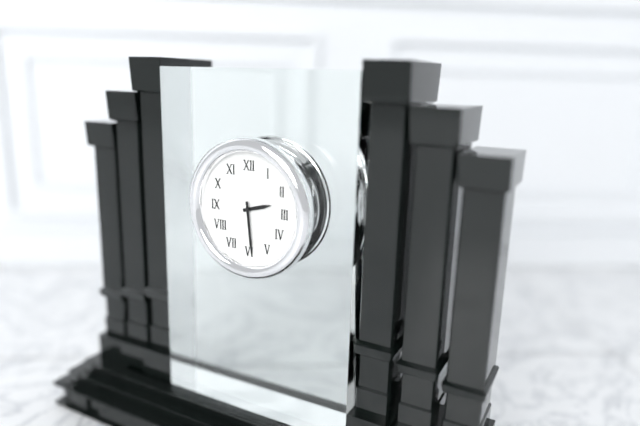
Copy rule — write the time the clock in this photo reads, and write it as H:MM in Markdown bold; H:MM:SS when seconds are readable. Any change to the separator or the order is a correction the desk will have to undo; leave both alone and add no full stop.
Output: **2:29**
